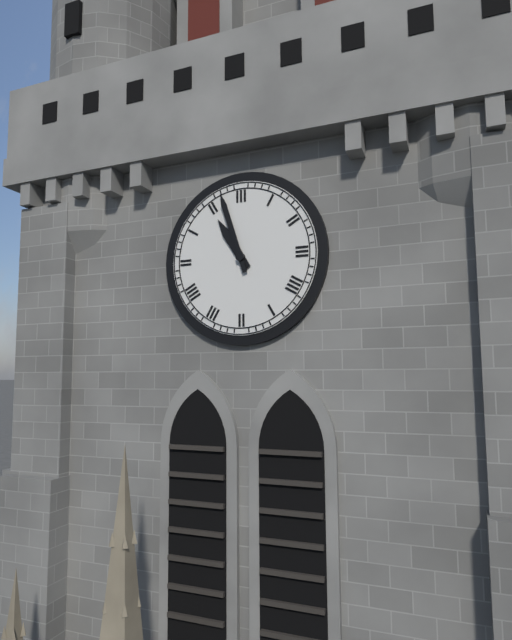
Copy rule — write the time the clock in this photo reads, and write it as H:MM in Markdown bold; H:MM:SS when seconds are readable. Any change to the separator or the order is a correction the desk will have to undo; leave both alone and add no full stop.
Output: **10:57**
